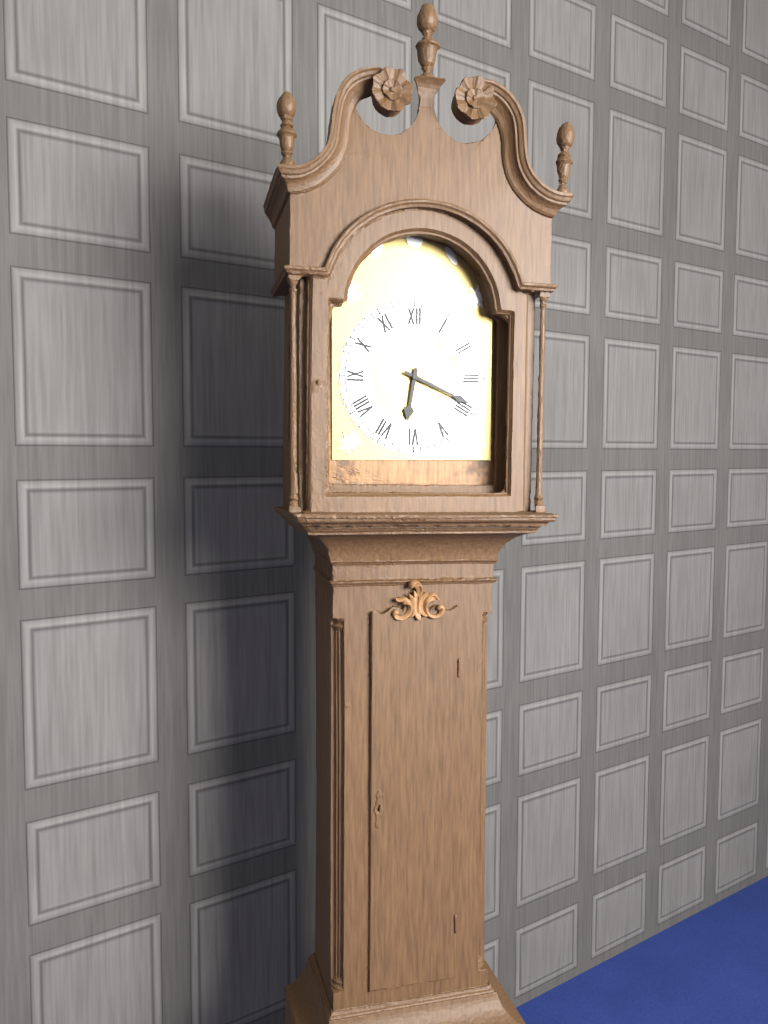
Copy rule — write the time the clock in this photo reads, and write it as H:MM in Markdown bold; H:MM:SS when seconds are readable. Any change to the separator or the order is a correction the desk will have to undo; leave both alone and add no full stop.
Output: **6:19**
